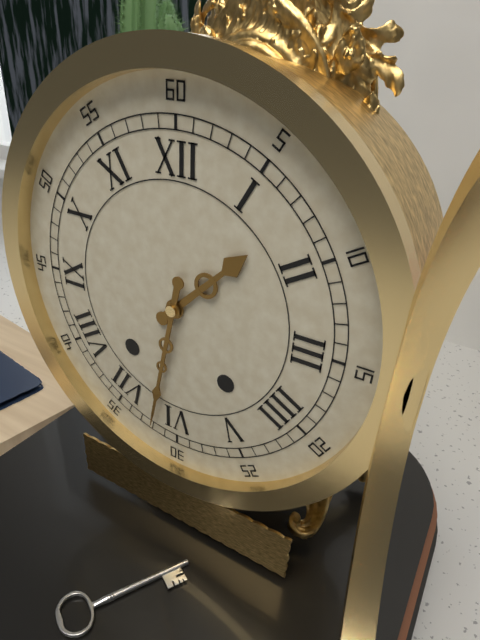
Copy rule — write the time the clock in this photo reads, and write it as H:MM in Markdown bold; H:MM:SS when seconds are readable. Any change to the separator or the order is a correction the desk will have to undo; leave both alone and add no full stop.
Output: **1:32**
